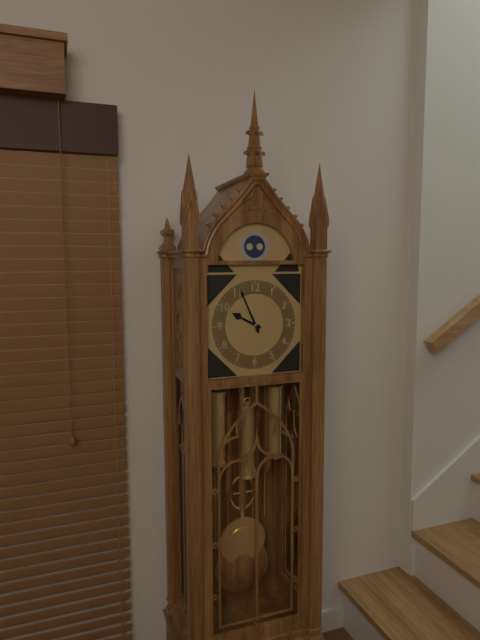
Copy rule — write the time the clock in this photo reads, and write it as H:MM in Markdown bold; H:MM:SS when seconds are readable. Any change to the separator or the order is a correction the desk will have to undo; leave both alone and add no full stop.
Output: **9:56**
